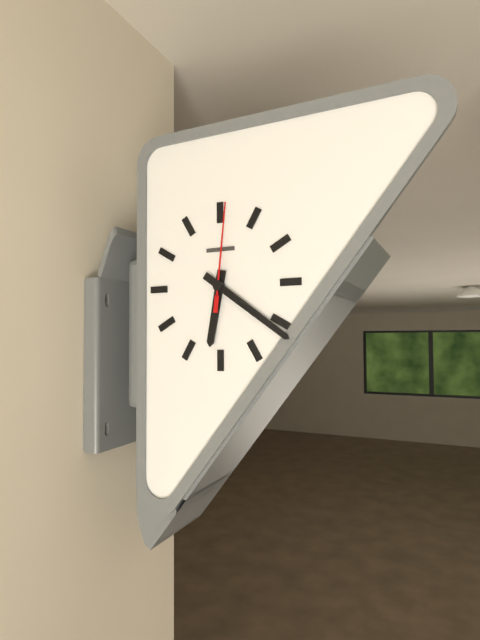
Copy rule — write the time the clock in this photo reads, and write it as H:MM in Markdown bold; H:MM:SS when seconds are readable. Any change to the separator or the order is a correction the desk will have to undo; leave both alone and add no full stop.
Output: **6:21:01**
